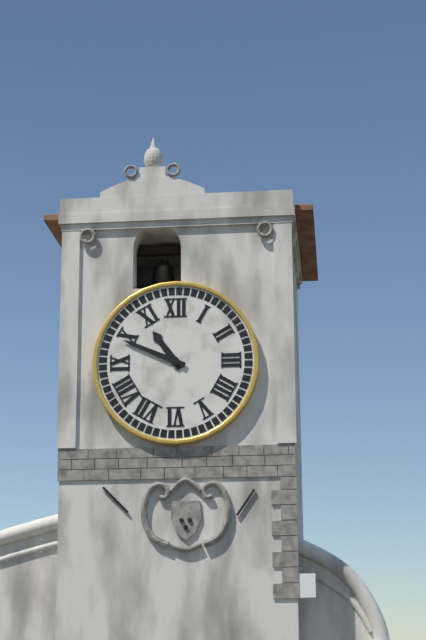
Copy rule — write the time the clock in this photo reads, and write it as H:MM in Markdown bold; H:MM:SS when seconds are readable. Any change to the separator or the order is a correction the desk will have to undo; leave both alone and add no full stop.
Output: **10:49**
